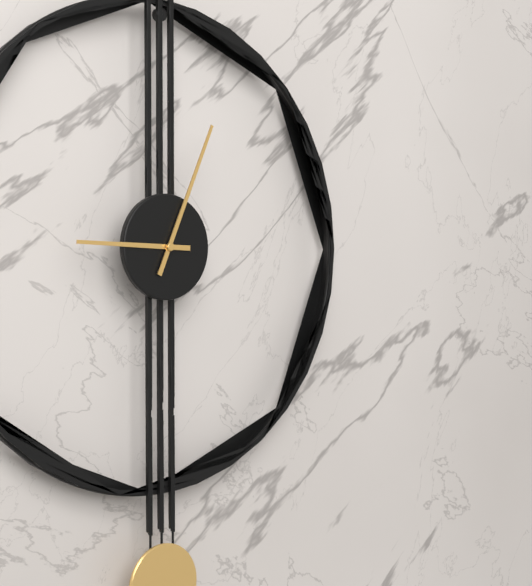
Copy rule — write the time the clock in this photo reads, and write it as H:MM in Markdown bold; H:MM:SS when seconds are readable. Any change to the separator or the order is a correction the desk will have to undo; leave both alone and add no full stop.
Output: **9:04**
